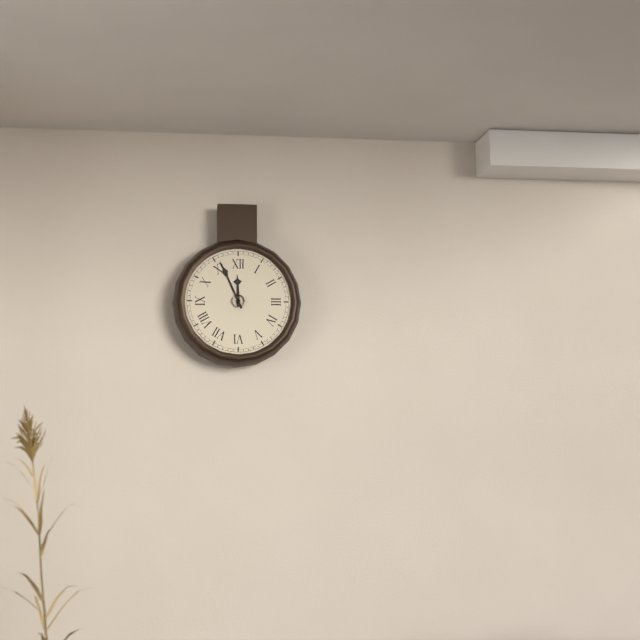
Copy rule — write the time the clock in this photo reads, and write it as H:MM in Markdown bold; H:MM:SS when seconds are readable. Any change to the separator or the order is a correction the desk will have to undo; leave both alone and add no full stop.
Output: **11:56**
